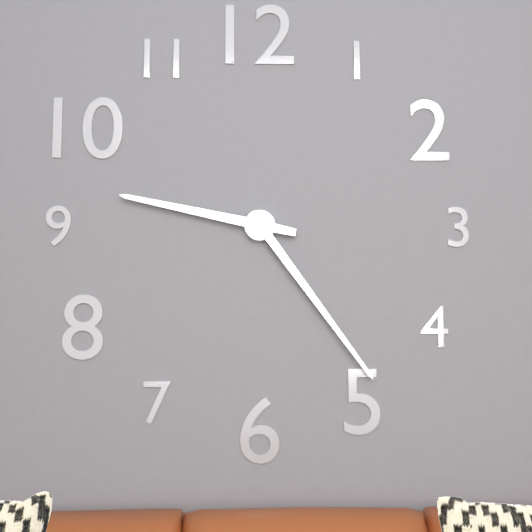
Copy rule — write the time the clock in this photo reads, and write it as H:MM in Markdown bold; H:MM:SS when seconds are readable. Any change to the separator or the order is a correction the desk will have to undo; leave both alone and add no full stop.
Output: **9:24**
